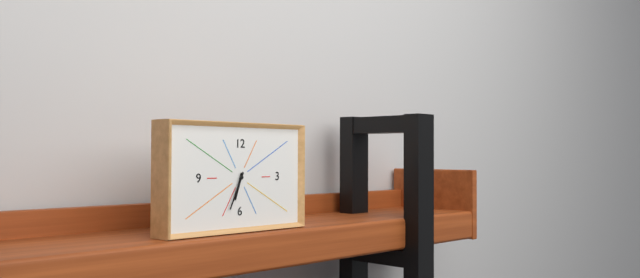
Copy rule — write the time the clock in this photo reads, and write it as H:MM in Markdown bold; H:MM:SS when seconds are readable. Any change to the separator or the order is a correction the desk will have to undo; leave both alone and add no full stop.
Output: **6:34**
